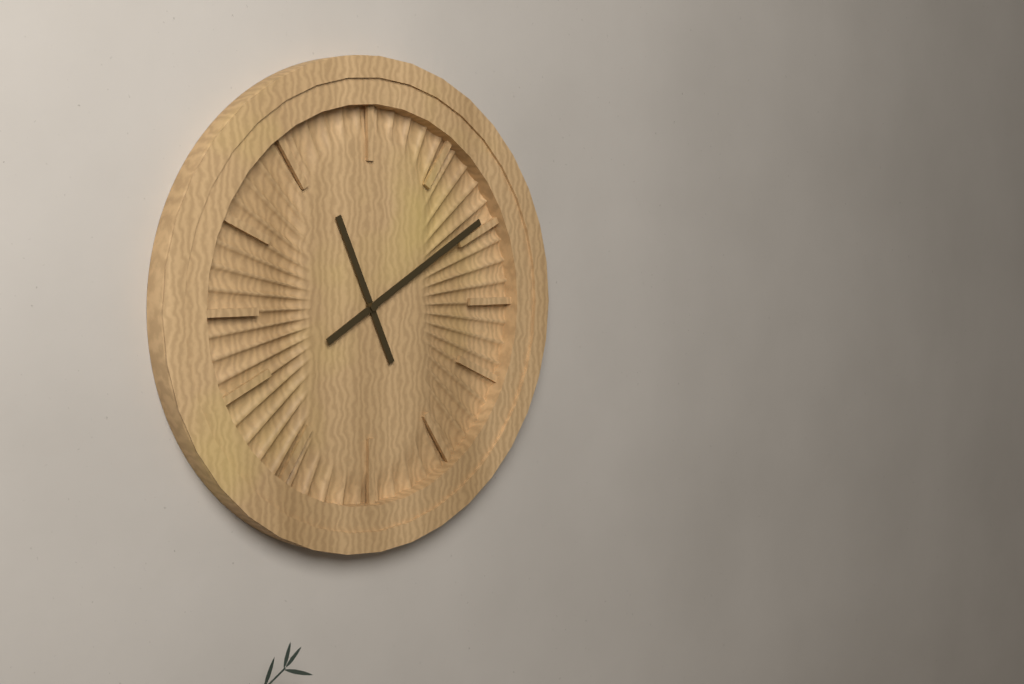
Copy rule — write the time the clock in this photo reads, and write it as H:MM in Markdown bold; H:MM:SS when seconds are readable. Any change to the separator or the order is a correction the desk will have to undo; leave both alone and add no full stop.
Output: **11:10**
